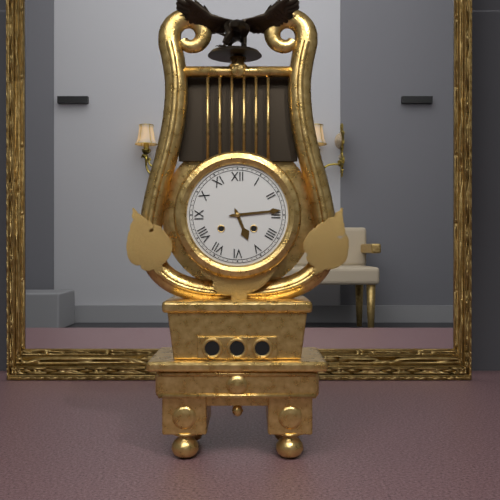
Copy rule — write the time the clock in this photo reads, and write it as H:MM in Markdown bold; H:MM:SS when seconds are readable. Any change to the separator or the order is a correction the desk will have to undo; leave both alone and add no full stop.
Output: **5:14**
